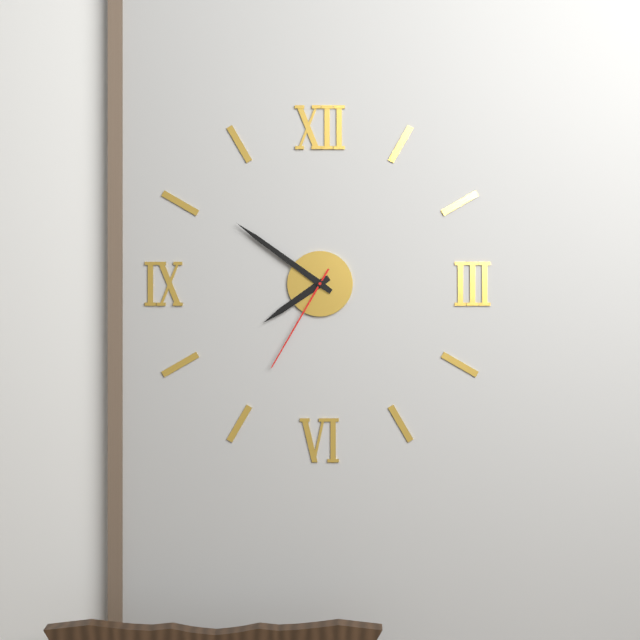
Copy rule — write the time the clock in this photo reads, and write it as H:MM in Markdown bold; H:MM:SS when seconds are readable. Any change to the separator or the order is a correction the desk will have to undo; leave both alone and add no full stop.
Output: **7:51:35**
